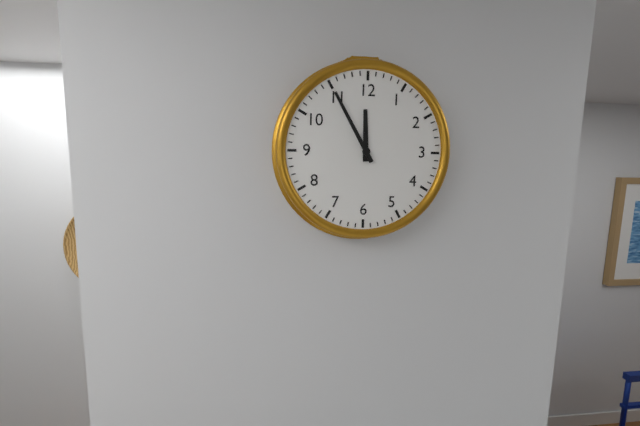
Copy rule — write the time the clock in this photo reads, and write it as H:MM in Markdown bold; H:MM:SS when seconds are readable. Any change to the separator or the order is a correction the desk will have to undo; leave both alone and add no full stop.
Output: **11:55**
